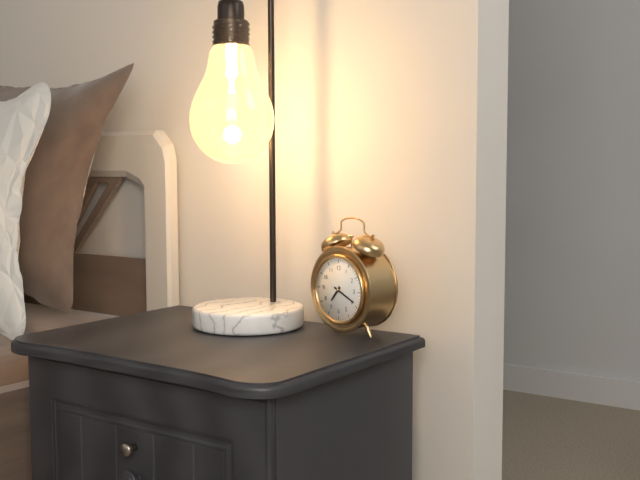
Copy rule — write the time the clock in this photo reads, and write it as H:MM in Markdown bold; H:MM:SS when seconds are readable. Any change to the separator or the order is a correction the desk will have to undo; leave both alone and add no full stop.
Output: **7:19**
